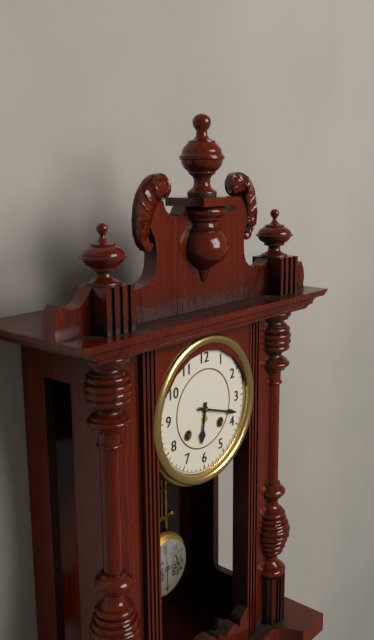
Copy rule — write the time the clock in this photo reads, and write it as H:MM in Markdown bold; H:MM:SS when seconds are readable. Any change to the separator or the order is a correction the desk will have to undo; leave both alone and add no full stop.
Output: **6:18**
